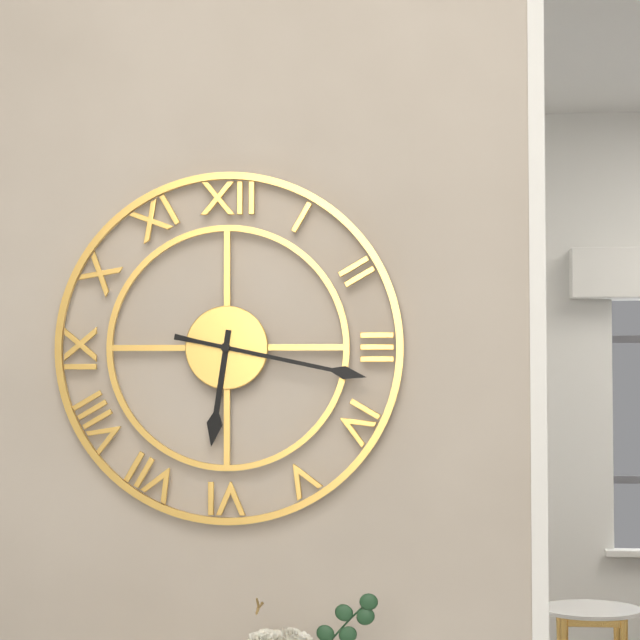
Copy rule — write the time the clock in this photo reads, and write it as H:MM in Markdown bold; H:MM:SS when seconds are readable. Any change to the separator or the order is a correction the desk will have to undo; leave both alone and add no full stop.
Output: **6:17**
